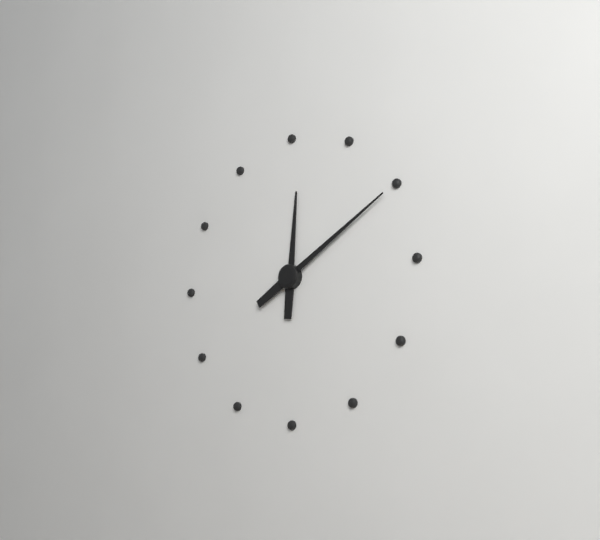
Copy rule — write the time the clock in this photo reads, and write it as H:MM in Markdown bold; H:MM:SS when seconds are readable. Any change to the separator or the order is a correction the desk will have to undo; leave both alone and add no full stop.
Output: **12:10**
